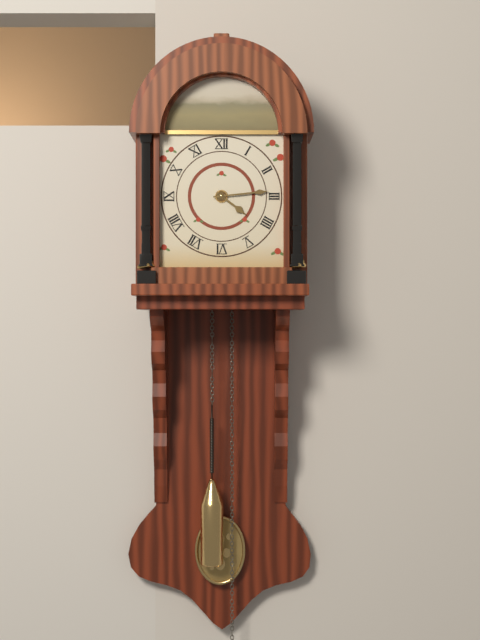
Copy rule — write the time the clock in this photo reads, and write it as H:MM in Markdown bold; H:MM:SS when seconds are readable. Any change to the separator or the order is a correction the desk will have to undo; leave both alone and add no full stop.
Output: **4:14**
